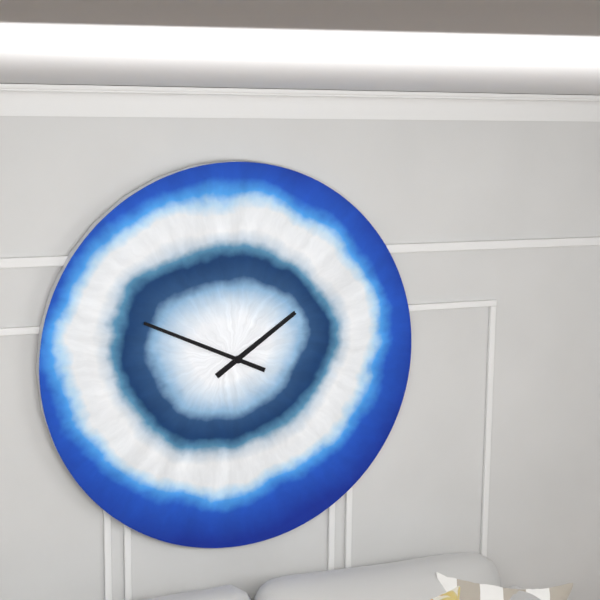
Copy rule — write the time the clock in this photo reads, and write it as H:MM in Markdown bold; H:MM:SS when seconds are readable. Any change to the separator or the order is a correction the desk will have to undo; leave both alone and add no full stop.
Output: **1:49**
